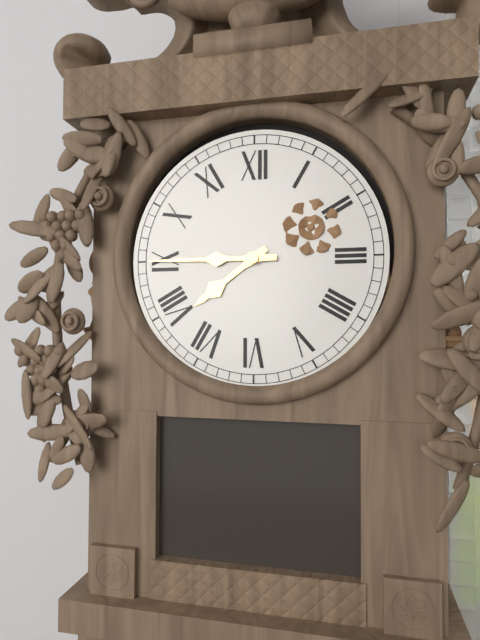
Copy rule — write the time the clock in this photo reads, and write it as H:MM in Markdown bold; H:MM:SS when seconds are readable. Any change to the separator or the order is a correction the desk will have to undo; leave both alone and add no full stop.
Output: **7:45**
